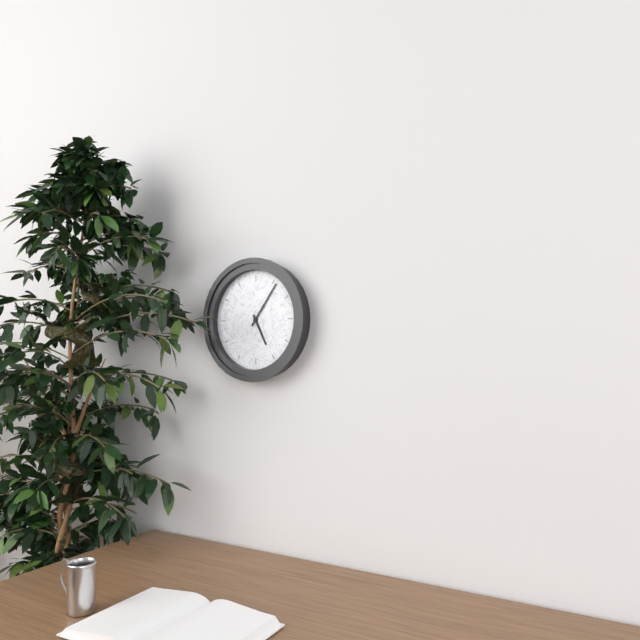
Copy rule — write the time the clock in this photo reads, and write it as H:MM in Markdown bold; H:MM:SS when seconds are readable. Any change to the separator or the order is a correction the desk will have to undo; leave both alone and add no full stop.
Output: **5:06**
